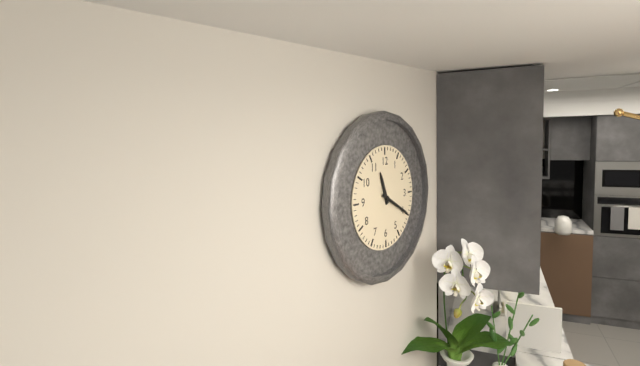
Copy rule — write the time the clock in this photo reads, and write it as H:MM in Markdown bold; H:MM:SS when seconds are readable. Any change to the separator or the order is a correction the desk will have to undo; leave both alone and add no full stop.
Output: **11:20**
